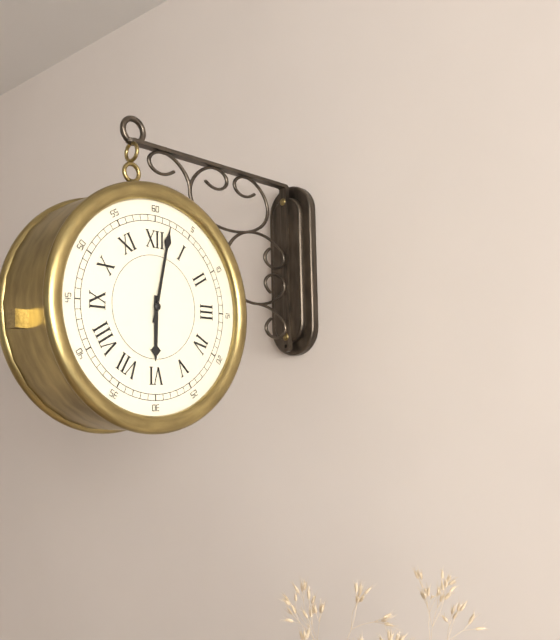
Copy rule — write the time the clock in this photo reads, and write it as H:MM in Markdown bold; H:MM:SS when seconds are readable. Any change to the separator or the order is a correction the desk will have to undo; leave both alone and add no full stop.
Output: **6:02**
